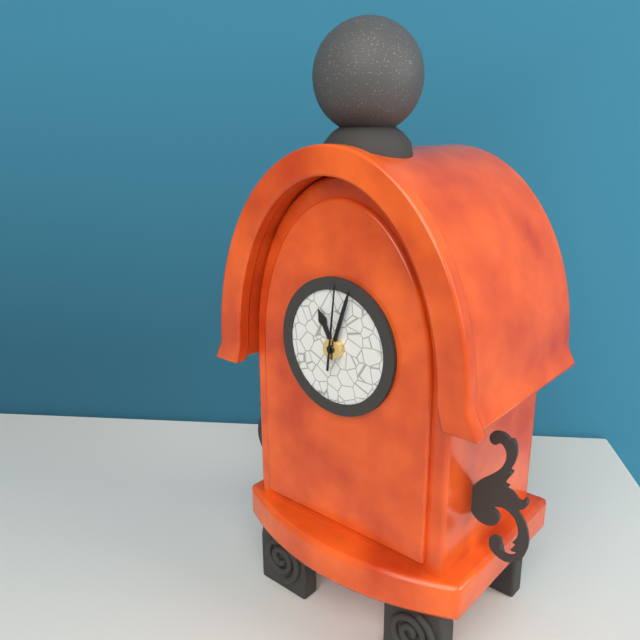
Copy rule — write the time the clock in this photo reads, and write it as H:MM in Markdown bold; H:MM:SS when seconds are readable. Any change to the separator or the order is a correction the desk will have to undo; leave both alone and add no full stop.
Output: **11:03:01**
